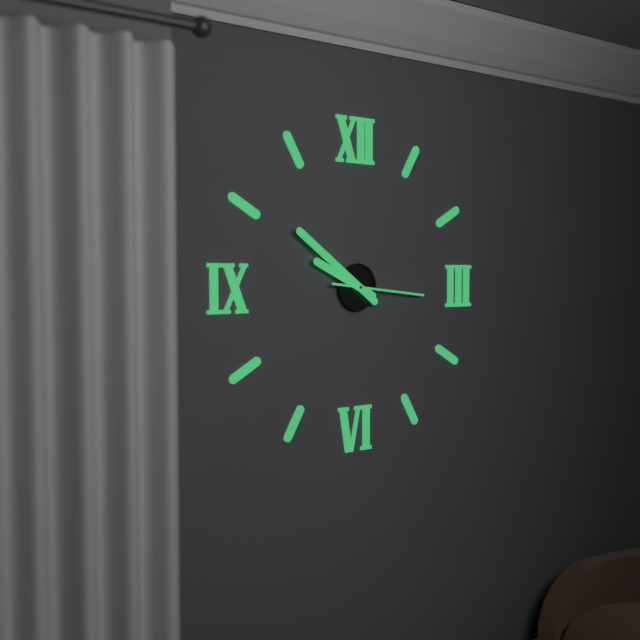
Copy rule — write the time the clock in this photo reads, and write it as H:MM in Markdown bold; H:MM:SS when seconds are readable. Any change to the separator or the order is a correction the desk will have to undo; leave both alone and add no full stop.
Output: **9:51:16**
